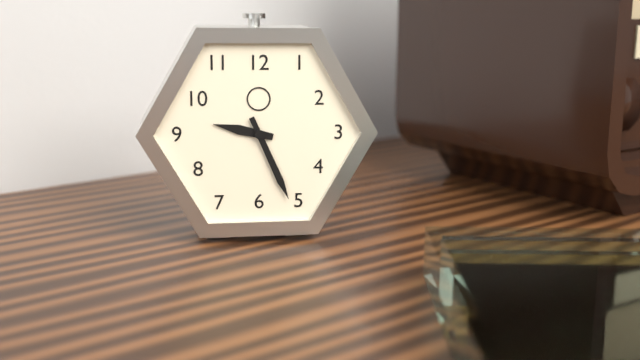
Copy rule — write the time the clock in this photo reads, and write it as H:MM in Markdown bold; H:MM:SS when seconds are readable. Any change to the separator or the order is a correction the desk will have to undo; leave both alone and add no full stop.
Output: **9:26**
